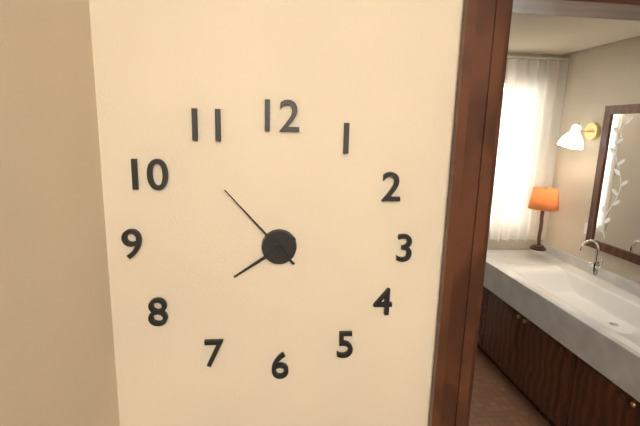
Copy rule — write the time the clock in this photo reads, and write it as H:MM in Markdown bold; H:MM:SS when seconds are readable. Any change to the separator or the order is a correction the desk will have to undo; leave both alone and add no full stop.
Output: **7:53**
